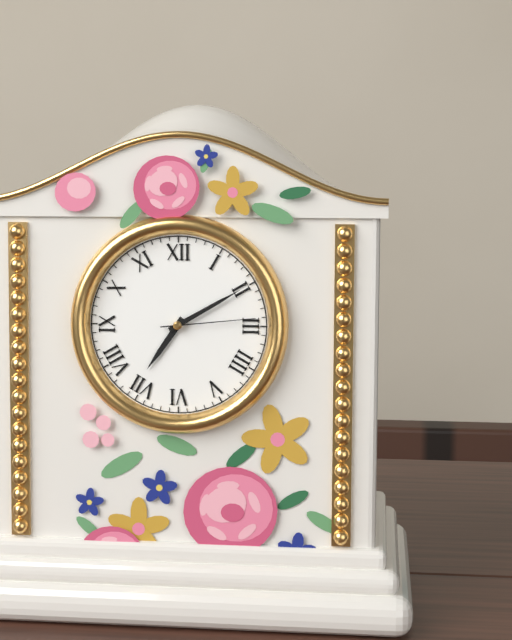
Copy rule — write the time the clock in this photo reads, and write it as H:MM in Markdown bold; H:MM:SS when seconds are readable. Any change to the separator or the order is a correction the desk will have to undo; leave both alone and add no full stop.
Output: **7:10:14**
